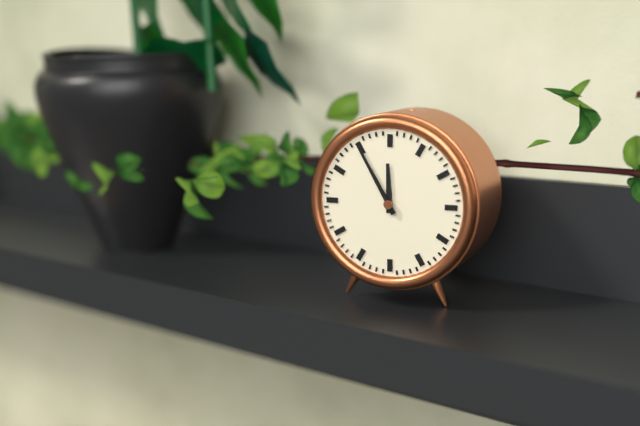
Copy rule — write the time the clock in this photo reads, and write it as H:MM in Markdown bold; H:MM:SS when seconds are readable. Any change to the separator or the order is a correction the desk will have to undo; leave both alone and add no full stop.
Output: **11:55**
